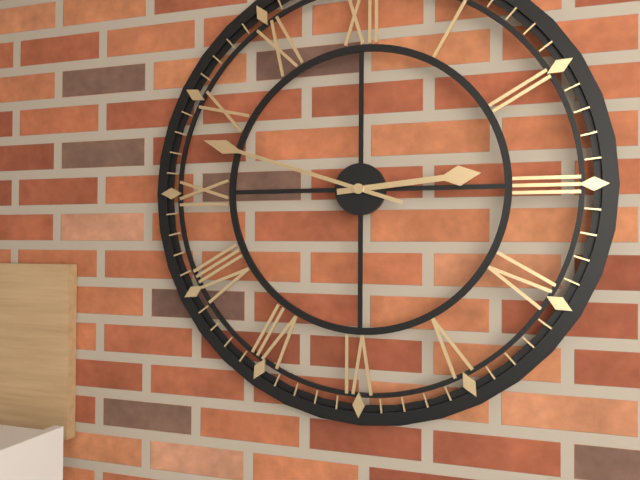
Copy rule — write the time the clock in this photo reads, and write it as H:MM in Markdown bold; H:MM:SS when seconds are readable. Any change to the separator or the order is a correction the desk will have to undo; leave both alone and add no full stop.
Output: **2:48**
